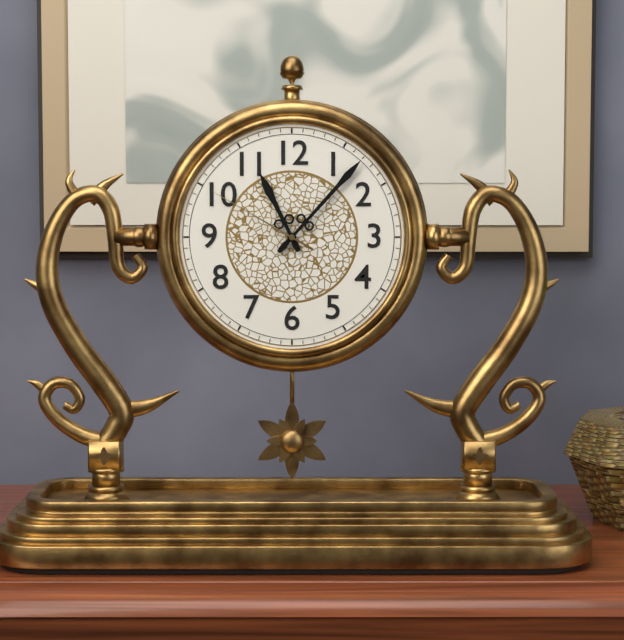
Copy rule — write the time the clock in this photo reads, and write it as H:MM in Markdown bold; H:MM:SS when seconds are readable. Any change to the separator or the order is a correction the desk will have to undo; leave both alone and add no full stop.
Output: **11:07:50**
